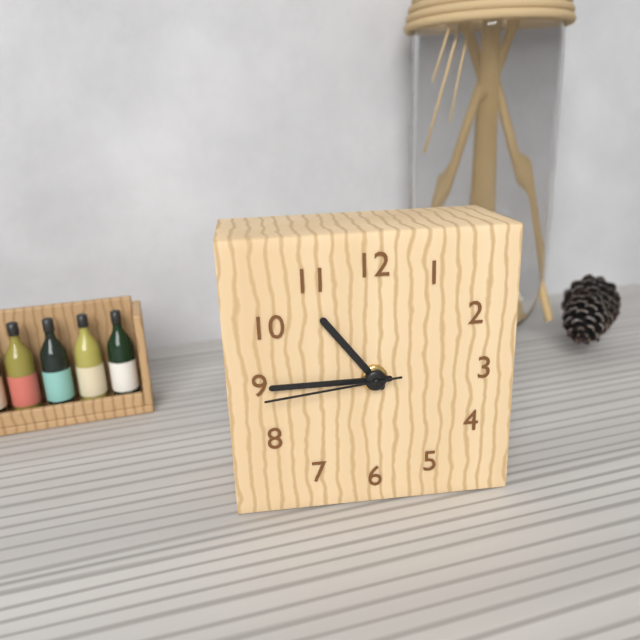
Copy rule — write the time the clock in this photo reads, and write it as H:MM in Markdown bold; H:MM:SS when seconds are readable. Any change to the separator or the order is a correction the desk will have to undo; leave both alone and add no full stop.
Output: **10:45:44**
